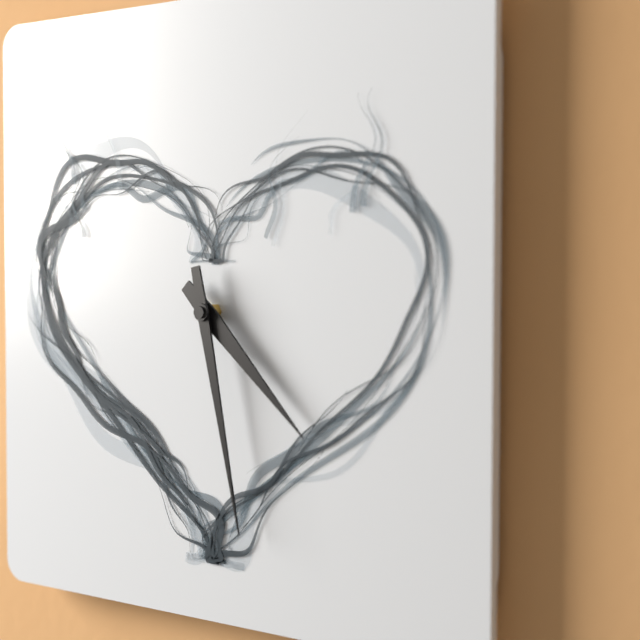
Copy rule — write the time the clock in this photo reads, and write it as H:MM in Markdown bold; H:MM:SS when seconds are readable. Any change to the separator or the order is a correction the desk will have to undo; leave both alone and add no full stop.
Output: **4:28**
